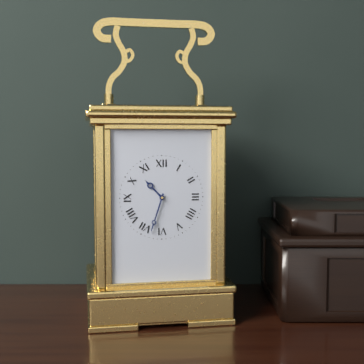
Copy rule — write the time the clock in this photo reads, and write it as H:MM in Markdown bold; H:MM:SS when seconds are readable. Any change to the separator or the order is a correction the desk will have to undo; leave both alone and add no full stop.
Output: **10:33**
